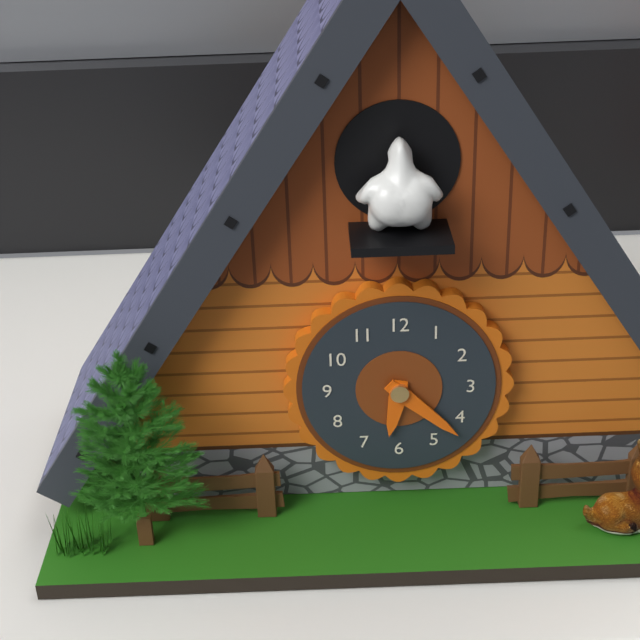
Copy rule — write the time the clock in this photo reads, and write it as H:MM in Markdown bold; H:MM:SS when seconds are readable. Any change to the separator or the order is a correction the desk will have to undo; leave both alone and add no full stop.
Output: **6:22**
